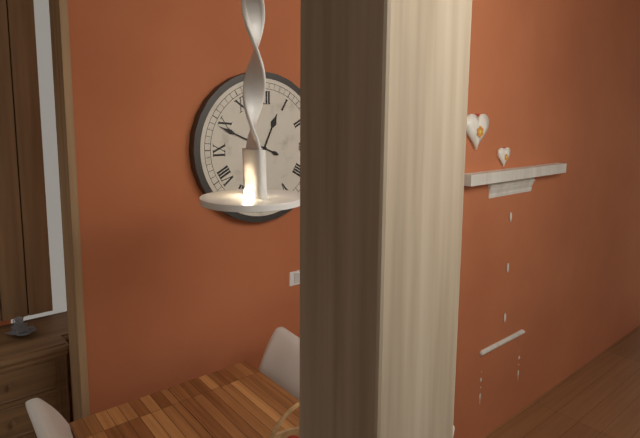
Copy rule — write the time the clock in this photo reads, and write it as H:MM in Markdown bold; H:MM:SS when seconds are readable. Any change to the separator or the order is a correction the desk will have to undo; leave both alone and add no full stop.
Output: **12:49**
